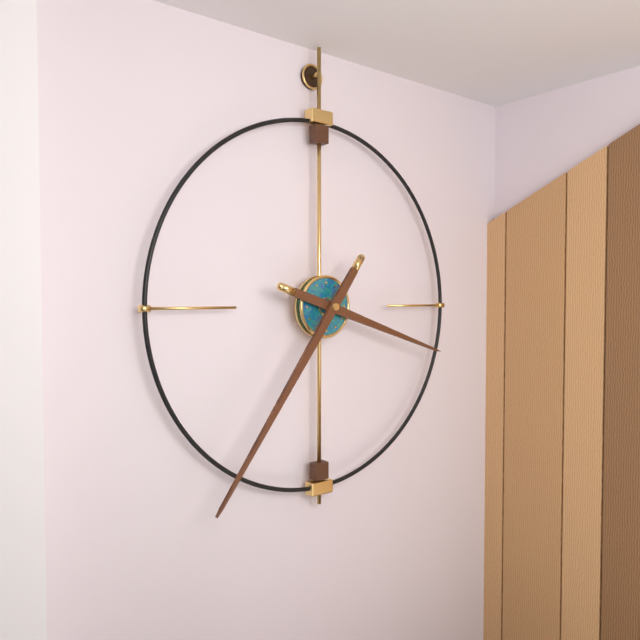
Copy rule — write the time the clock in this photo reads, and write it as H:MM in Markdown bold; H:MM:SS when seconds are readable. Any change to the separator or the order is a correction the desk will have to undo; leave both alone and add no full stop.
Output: **3:36**
